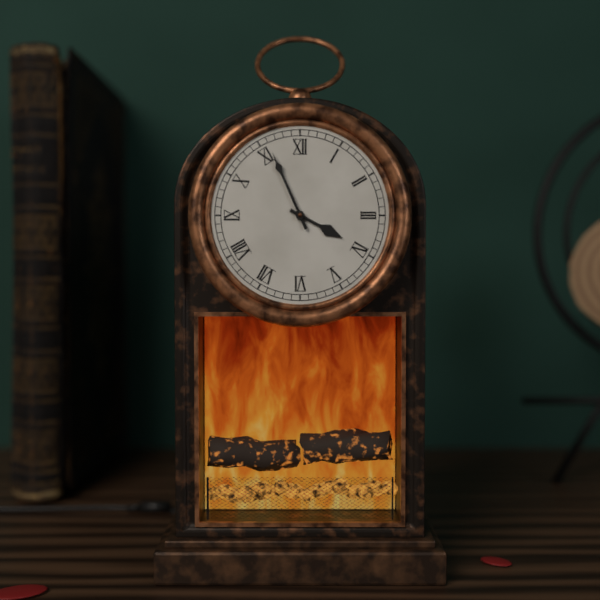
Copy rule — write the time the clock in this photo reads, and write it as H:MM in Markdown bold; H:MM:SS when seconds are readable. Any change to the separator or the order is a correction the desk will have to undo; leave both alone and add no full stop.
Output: **3:56**
